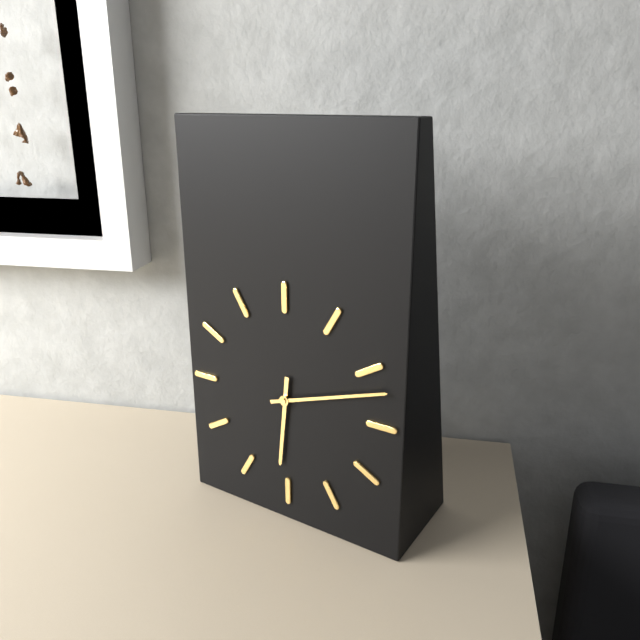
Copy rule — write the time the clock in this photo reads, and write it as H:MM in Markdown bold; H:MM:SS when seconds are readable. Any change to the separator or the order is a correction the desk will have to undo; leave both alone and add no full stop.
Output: **6:12**
